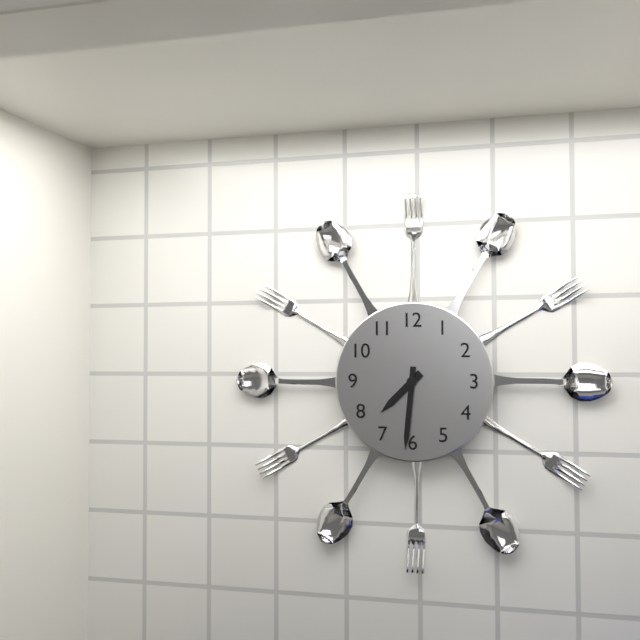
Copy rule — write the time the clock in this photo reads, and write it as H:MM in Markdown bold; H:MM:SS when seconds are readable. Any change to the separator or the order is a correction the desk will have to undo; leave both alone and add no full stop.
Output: **7:31**
